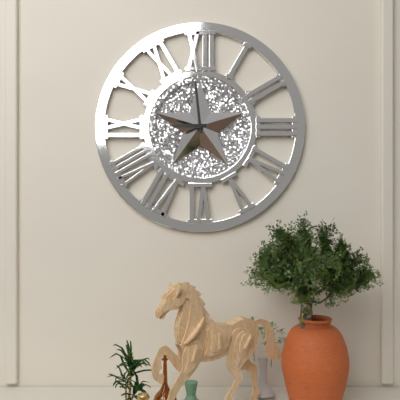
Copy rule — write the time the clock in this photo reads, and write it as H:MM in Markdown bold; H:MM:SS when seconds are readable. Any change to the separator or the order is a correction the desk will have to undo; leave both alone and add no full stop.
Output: **8:59**
